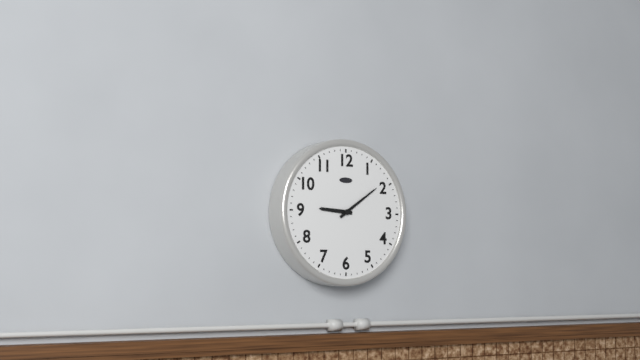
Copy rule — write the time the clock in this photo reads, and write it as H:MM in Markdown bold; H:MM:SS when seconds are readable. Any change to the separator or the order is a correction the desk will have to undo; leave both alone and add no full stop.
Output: **9:09**
